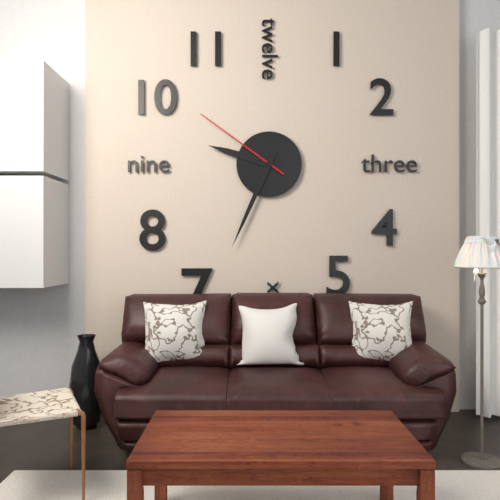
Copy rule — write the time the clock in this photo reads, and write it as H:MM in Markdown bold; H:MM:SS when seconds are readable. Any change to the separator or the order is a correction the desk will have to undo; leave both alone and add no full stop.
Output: **9:34:51**
